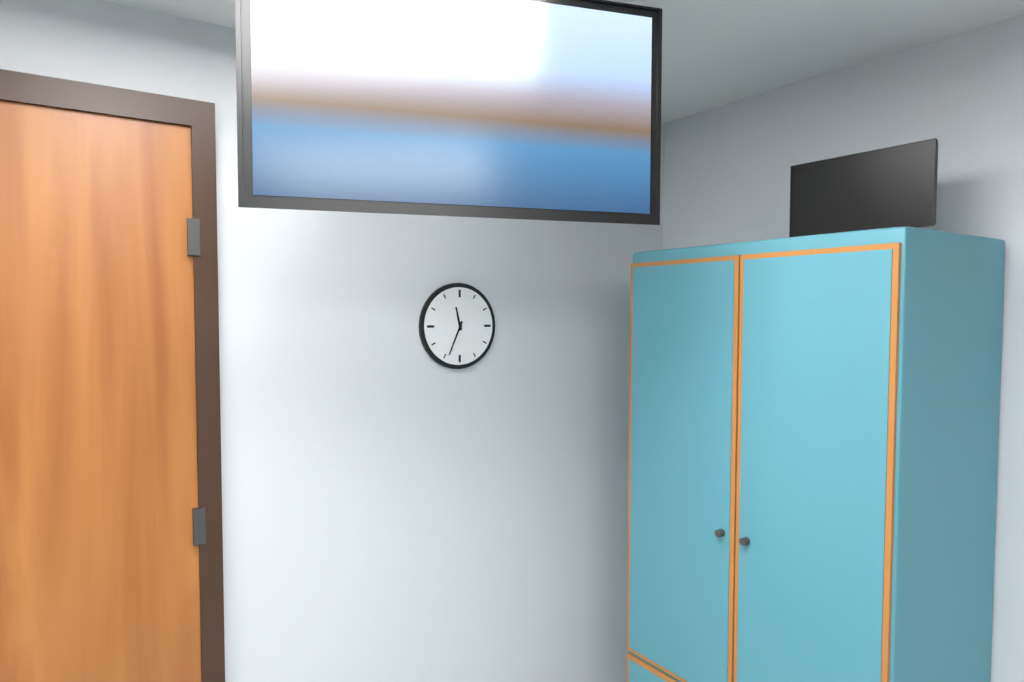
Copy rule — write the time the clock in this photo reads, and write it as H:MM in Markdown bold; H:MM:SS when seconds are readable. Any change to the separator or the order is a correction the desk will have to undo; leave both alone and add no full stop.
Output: **11:34**
